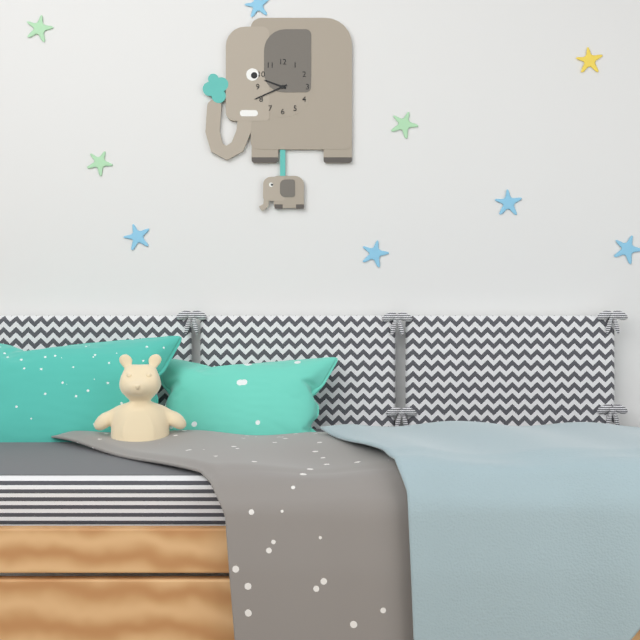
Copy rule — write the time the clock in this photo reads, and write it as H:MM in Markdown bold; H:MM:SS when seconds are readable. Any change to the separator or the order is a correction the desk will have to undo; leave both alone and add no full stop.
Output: **9:41**
